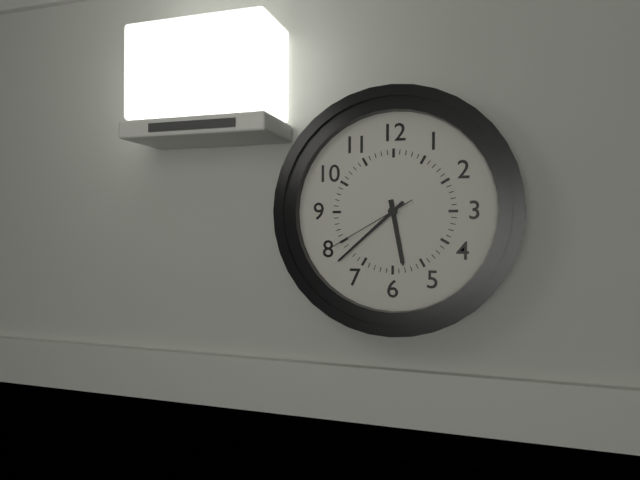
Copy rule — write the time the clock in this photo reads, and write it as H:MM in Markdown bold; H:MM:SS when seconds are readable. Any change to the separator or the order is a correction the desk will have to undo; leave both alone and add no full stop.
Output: **5:38:40**
